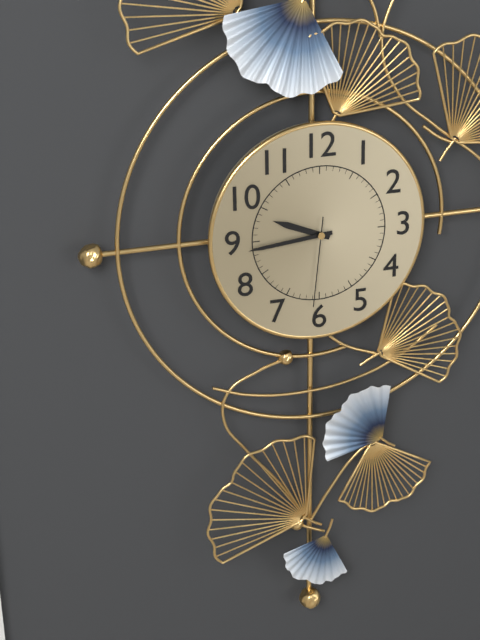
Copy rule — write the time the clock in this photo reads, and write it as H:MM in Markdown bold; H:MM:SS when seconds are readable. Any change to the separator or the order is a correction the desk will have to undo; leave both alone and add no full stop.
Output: **9:44:31**
